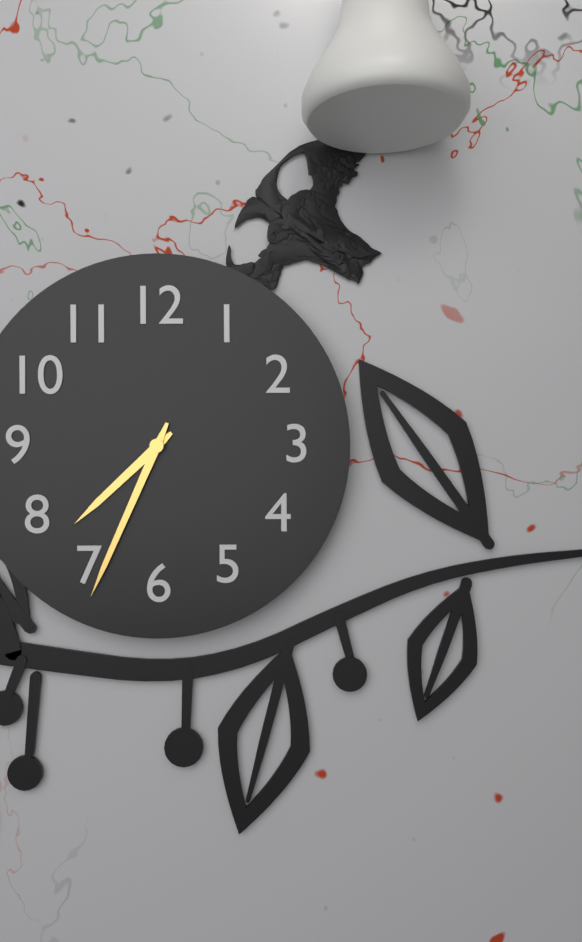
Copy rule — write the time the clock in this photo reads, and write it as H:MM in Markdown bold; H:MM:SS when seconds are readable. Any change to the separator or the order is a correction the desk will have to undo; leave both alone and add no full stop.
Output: **7:34**
